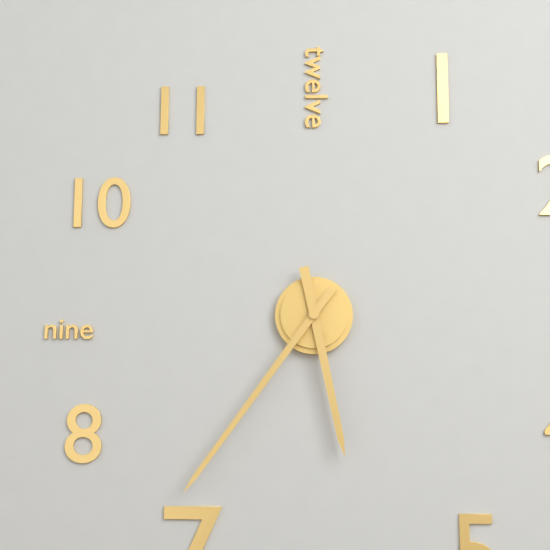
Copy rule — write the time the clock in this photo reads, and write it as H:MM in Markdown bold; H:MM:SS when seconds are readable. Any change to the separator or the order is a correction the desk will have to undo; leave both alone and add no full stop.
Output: **5:36**
